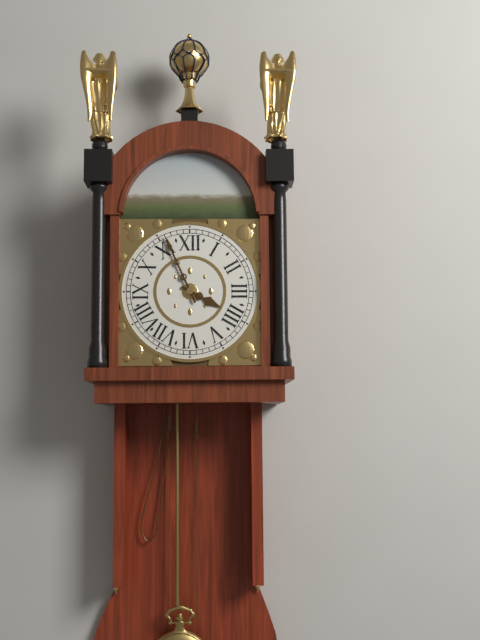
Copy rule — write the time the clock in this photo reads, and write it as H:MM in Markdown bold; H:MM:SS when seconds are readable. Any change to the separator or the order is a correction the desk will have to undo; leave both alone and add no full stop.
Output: **3:56**
